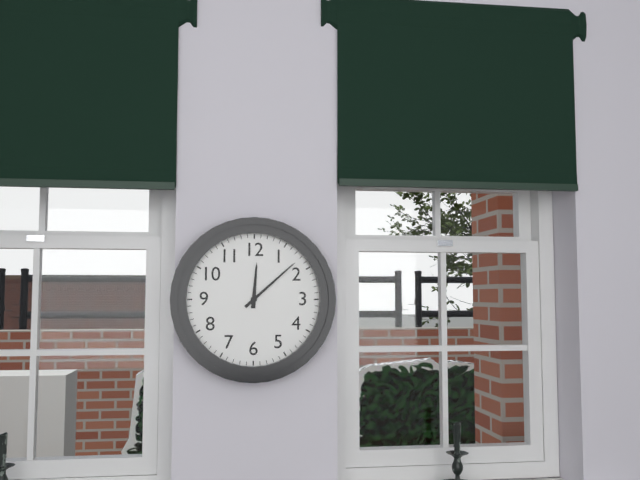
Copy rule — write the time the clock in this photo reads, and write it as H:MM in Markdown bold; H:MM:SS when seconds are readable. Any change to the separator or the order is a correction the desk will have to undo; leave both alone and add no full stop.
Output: **12:08**
